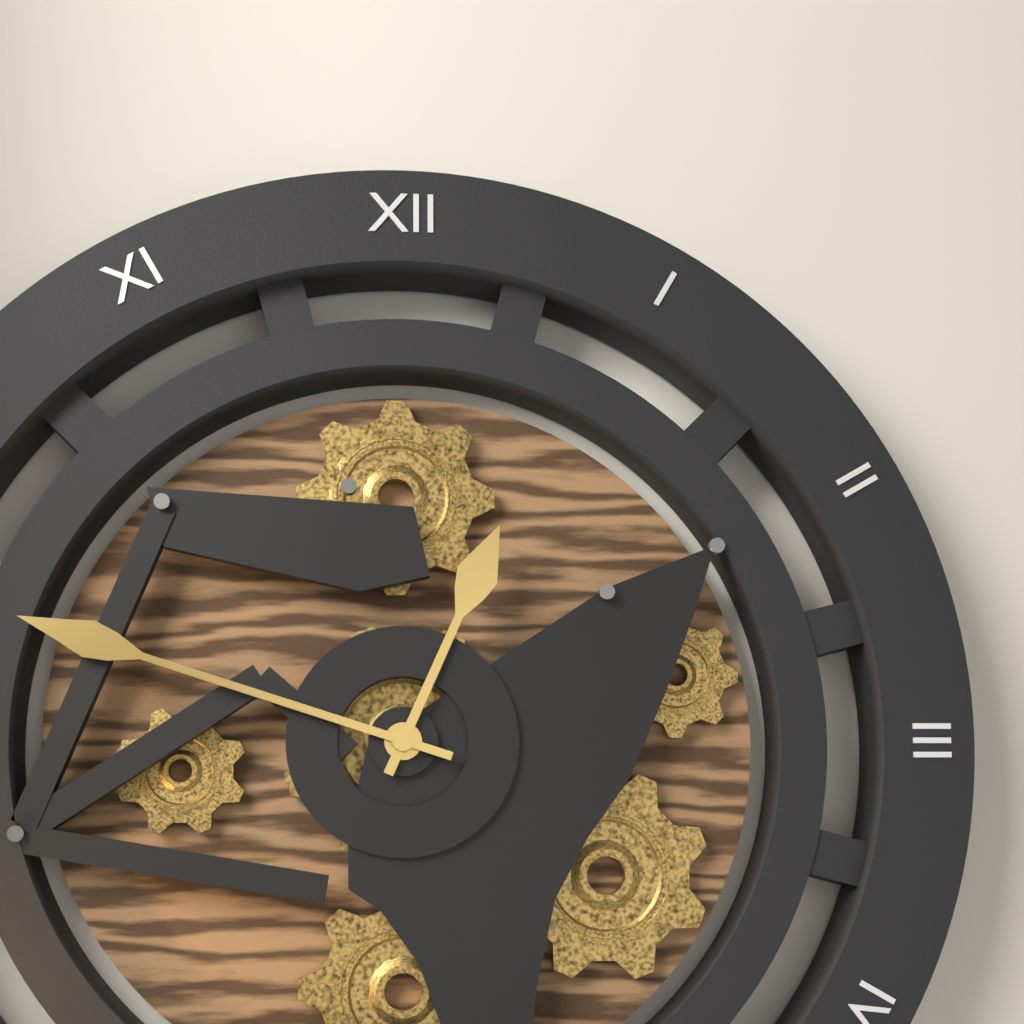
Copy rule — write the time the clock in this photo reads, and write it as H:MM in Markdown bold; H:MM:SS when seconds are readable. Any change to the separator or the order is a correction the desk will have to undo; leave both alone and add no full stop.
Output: **12:48**
